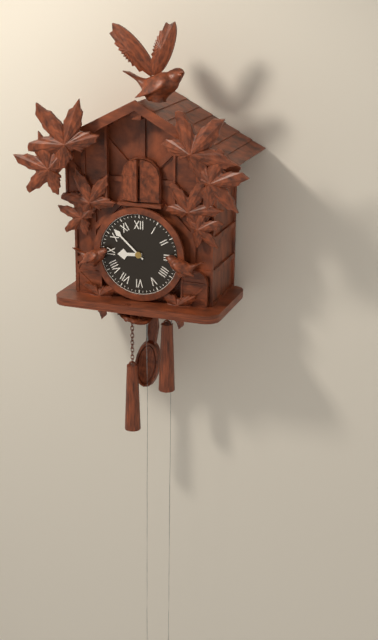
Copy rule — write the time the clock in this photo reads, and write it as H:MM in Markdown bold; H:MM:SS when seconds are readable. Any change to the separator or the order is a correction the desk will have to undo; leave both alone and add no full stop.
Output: **8:52**
